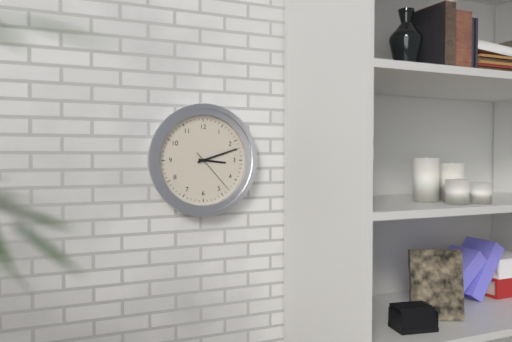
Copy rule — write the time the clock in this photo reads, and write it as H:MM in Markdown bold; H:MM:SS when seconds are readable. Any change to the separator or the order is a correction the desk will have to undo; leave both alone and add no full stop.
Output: **3:12**
